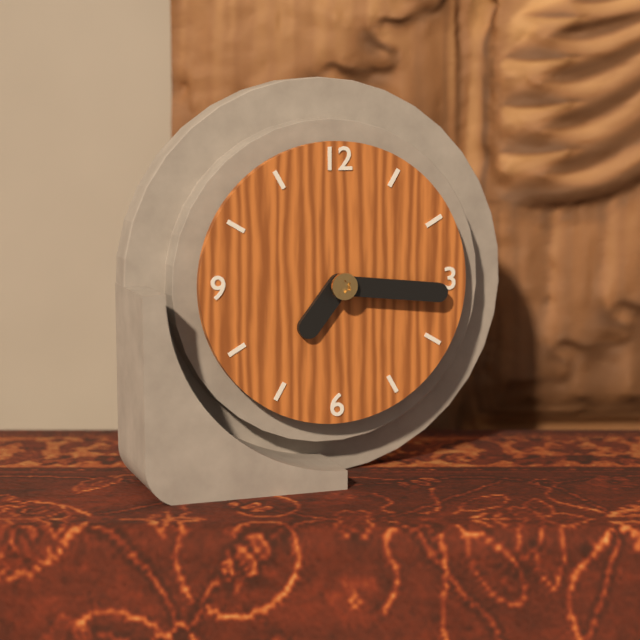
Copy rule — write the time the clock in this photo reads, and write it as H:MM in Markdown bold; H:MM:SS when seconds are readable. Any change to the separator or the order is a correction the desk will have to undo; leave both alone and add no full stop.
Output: **7:16**
